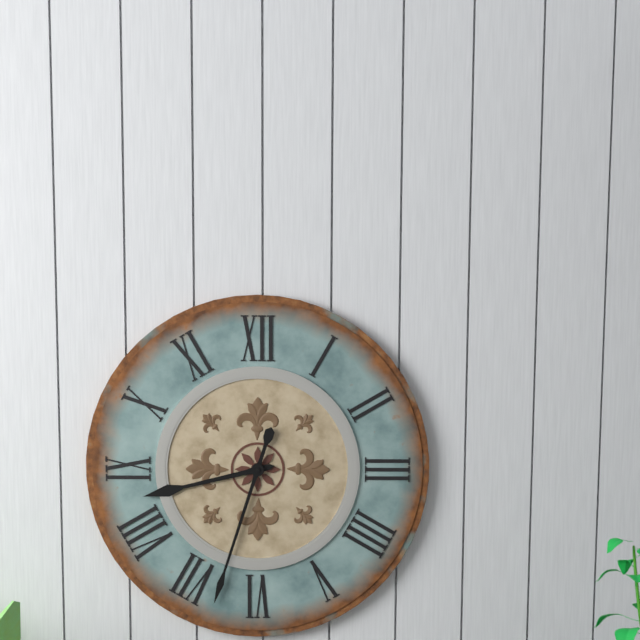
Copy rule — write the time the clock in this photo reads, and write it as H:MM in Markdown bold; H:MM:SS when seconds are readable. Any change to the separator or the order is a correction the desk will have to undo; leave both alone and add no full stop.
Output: **8:33**
